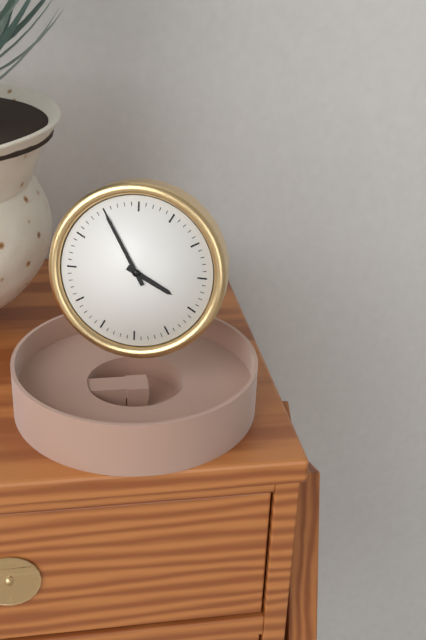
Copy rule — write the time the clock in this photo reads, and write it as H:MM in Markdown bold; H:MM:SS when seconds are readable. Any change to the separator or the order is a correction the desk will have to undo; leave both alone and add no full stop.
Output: **3:55**
